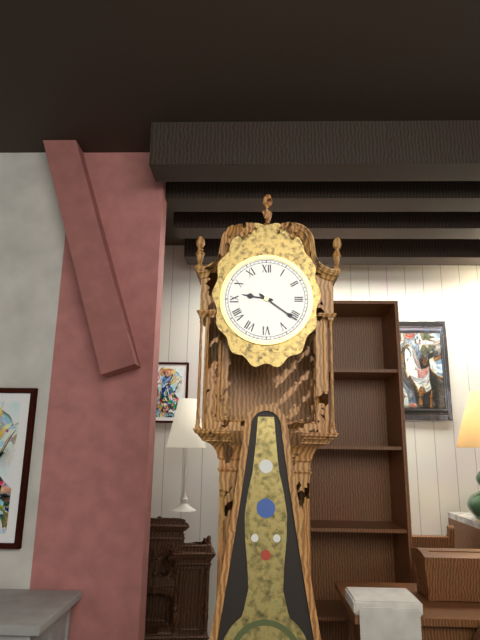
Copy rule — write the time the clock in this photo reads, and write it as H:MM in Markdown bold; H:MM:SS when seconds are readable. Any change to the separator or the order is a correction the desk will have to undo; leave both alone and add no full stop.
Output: **9:21**
